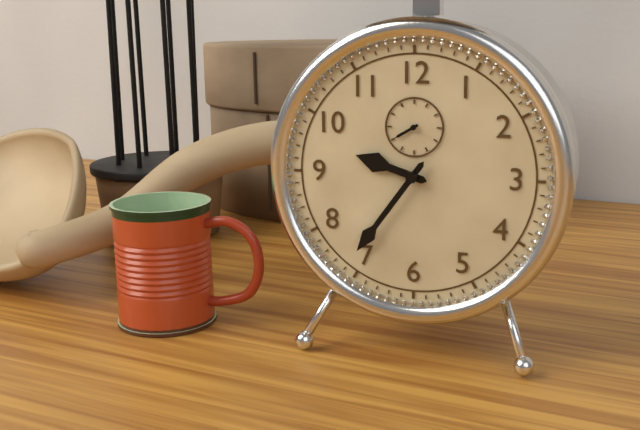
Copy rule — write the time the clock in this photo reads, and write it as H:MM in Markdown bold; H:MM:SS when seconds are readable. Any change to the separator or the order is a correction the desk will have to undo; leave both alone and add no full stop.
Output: **9:36**
